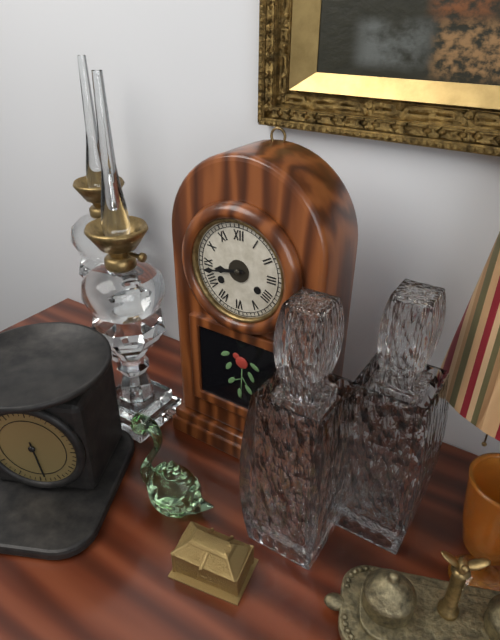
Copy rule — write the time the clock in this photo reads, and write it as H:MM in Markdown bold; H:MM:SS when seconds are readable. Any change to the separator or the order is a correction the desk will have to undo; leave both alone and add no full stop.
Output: **8:43**
